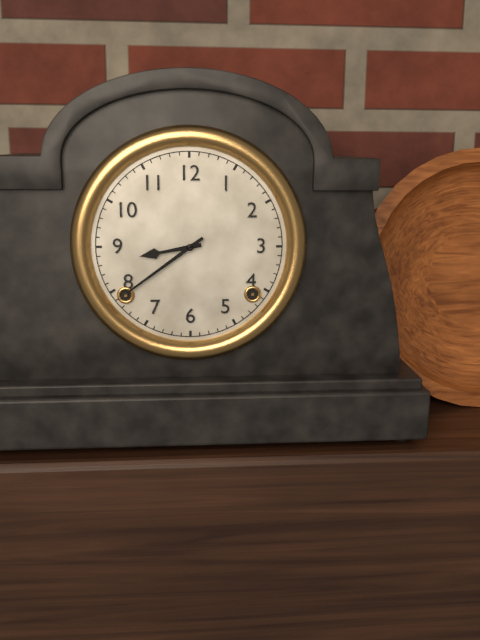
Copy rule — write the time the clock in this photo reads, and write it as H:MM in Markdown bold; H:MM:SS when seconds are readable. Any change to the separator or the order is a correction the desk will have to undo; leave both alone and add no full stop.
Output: **8:39**
